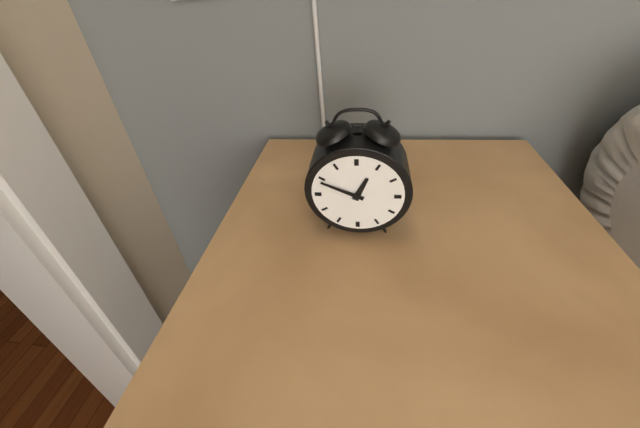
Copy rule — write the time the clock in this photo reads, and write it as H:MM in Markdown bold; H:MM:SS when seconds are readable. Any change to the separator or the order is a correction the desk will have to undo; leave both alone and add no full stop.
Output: **12:49**
